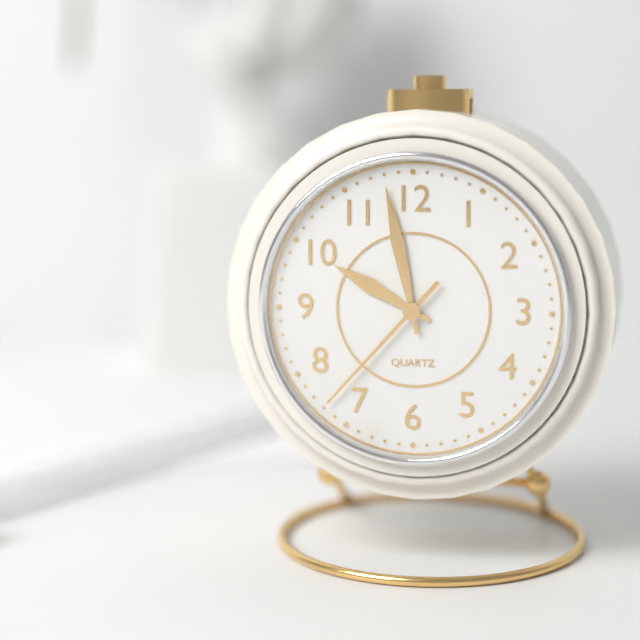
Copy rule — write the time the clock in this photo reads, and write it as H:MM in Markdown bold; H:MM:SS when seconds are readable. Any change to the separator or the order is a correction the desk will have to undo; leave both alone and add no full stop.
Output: **9:58:37**
